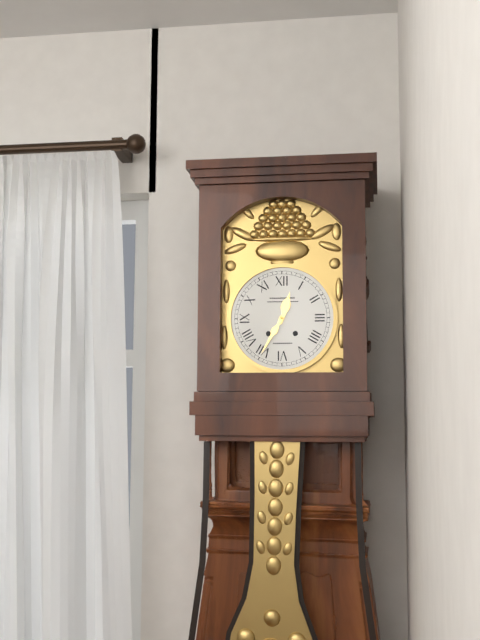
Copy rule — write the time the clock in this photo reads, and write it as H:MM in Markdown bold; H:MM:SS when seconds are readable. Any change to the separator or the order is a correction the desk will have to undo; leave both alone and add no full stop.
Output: **12:35**
